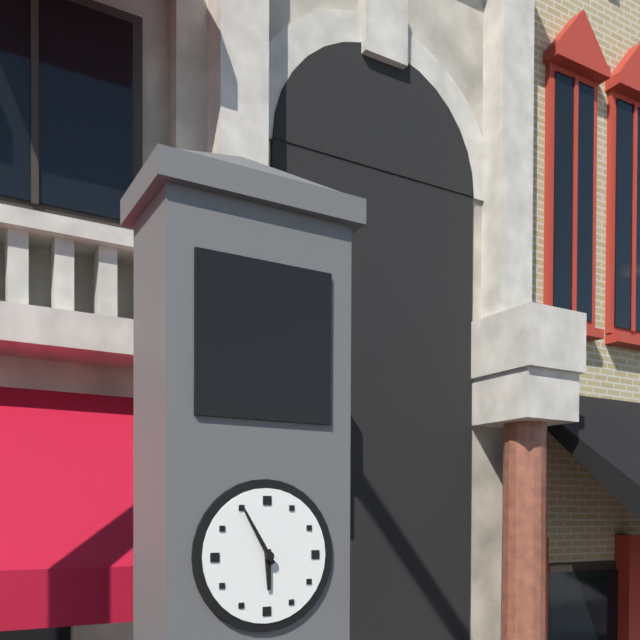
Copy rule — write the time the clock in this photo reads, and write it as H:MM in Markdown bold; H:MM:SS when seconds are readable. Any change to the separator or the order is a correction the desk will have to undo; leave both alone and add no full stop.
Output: **5:55**
